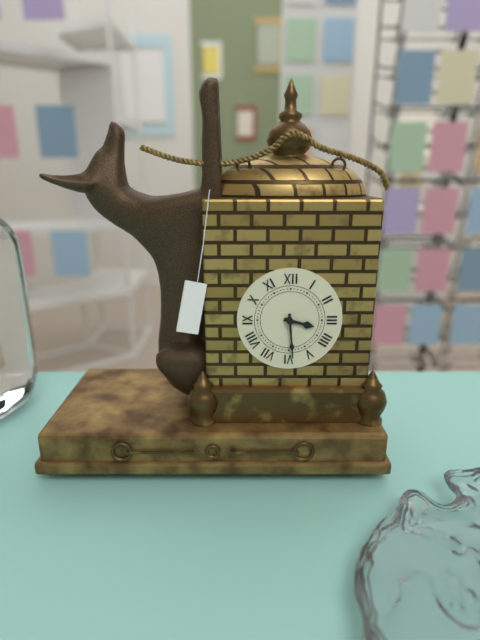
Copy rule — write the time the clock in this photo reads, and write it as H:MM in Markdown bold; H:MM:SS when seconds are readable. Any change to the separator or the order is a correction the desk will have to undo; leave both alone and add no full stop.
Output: **3:29**
